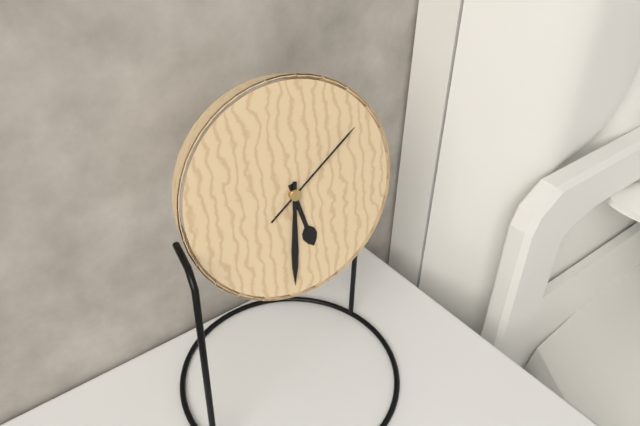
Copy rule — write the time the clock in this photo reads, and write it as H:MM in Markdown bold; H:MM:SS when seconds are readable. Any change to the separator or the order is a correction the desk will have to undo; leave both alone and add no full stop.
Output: **5:31:09**
